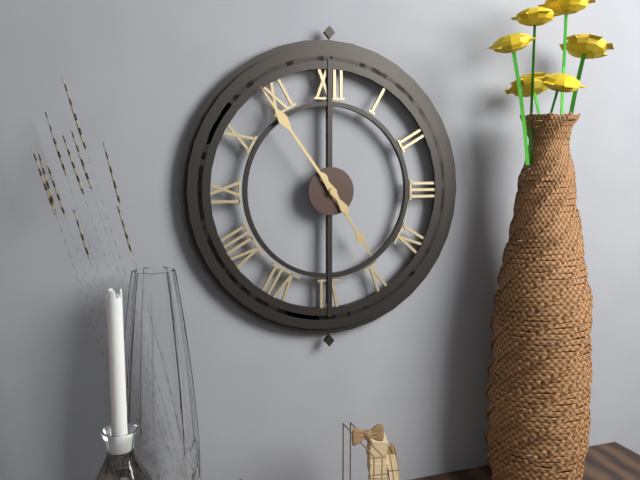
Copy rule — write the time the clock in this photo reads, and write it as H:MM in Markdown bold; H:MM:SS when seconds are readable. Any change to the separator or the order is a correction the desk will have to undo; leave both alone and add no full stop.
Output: **4:54**
